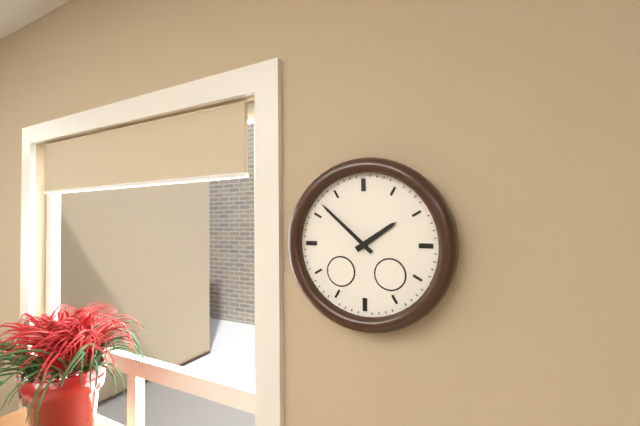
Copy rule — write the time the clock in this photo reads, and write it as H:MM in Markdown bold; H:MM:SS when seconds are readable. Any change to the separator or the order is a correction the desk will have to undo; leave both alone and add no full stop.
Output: **1:52**
